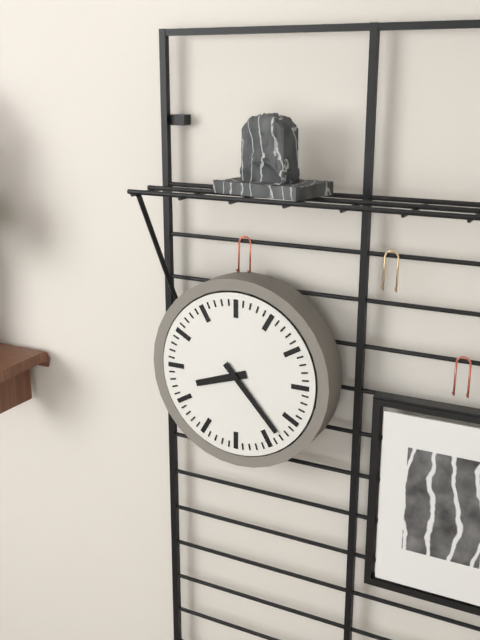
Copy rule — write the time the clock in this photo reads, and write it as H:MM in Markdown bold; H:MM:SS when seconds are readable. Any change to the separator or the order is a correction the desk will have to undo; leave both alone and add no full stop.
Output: **8:23**
